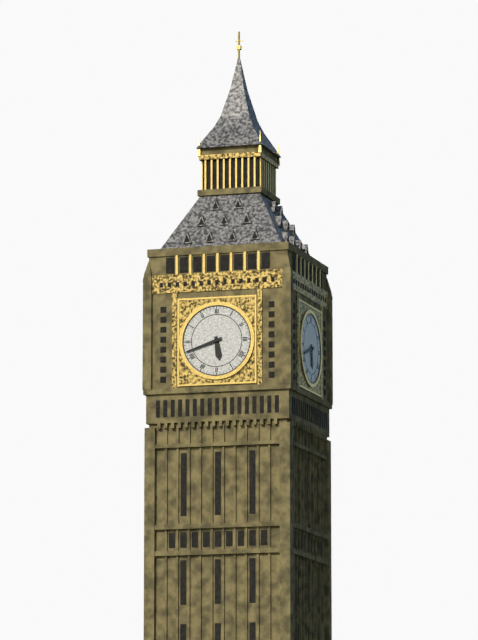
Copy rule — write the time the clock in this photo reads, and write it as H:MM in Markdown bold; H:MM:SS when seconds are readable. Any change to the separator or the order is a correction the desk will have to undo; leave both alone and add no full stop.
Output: **5:42**
